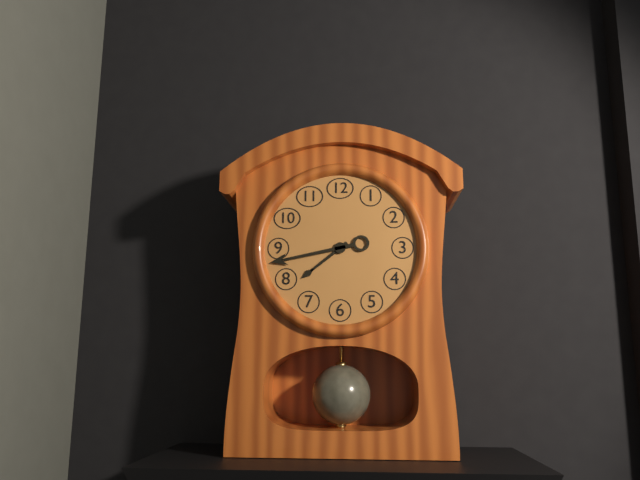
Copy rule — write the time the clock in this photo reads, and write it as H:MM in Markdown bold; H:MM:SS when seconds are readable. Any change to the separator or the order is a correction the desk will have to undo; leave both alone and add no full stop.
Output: **7:43**
